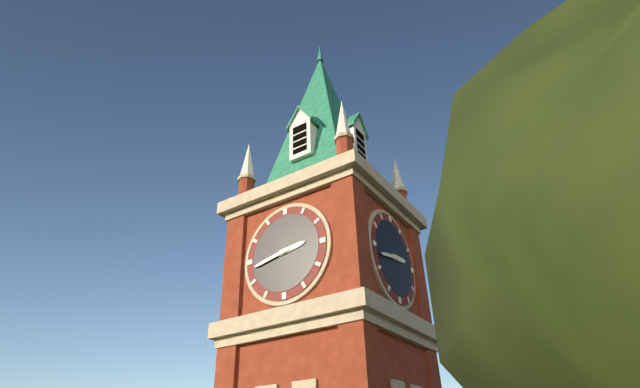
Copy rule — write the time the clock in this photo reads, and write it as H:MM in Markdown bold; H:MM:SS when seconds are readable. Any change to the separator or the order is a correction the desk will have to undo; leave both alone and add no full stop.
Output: **2:43**
